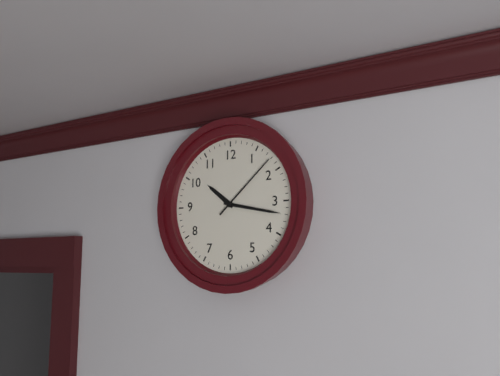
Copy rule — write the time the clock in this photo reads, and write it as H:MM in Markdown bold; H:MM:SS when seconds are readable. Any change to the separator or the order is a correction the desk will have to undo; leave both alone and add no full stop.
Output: **10:17:08**
